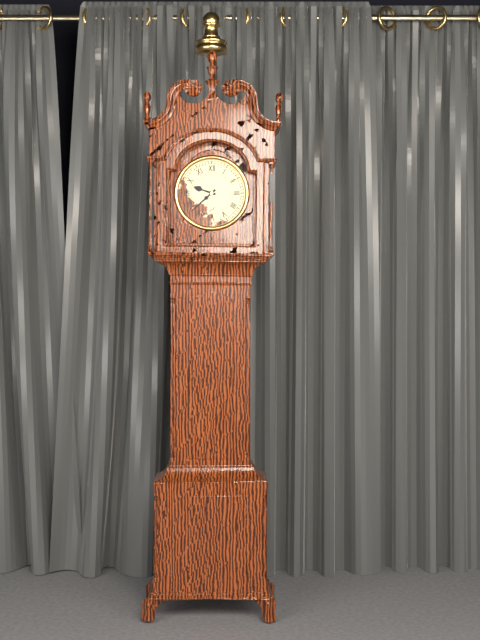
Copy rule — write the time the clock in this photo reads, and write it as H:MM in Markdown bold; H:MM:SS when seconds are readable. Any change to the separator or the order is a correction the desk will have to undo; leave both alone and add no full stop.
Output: **9:38**
